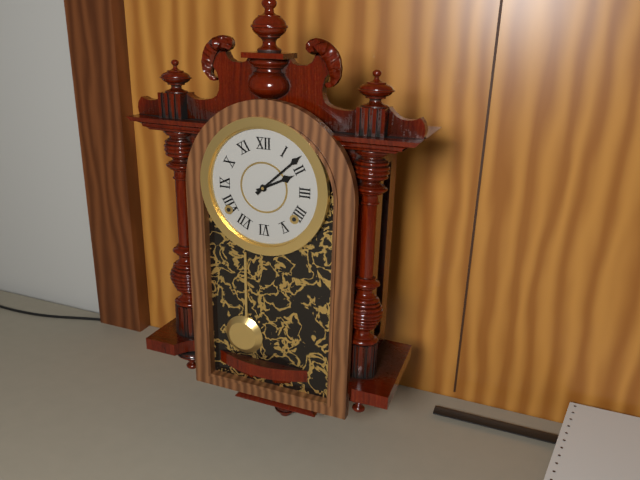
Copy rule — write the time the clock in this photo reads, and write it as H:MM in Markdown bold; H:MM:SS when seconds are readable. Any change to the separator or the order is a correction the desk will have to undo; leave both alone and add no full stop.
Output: **2:08**
